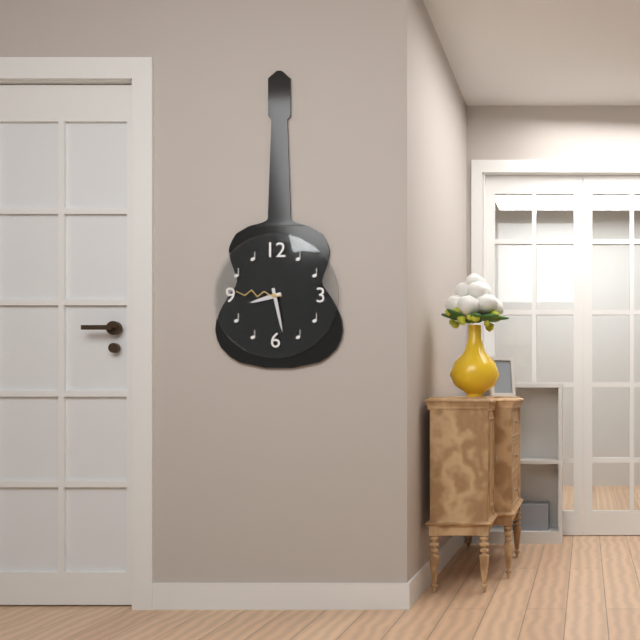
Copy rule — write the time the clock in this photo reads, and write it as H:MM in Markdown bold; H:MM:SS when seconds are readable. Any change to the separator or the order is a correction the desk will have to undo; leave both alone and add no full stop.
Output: **8:28**
